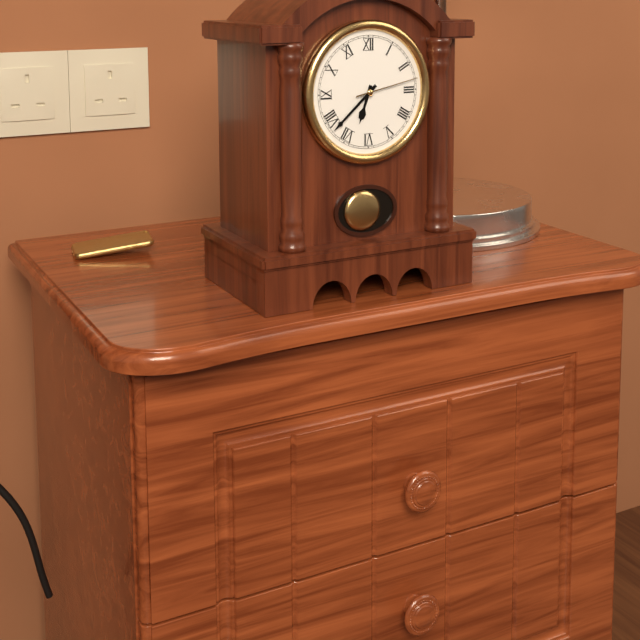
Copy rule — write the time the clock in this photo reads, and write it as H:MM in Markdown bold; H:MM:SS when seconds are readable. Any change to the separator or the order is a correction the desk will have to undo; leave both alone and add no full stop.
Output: **6:38:13**
